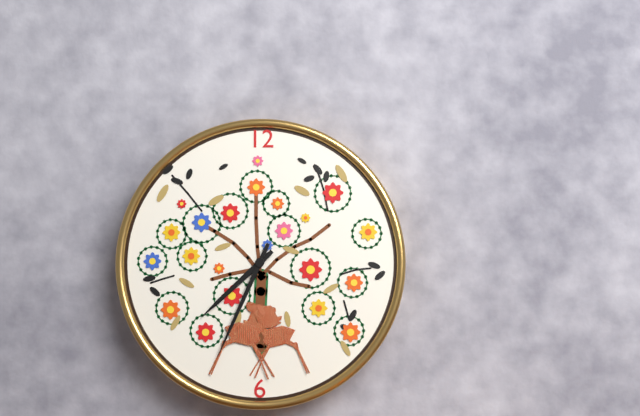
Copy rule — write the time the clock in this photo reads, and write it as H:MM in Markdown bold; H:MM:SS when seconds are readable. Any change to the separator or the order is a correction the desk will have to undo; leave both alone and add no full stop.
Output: **7:34**
